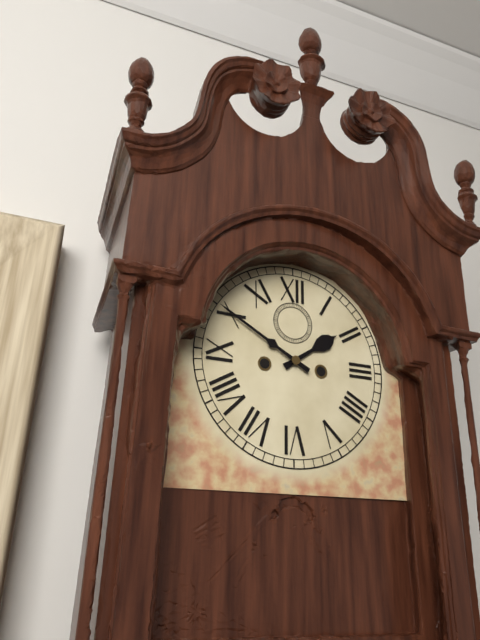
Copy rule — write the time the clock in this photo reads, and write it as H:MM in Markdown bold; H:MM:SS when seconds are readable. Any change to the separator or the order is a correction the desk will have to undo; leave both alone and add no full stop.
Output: **1:50**
